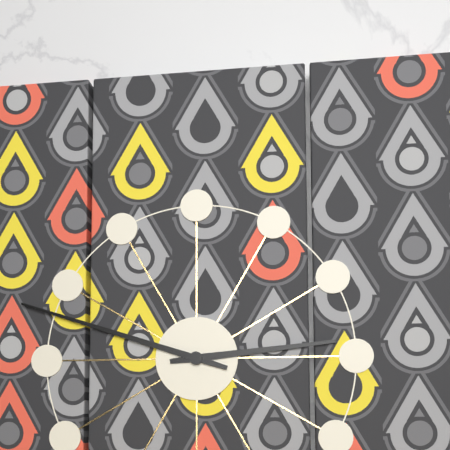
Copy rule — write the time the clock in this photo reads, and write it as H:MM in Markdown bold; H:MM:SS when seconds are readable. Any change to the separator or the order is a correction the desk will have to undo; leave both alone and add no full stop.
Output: **2:48**
